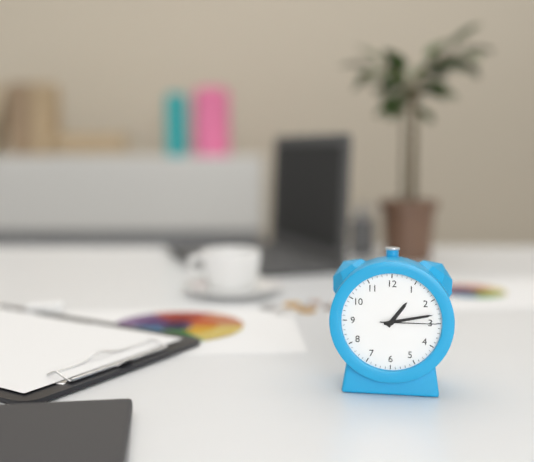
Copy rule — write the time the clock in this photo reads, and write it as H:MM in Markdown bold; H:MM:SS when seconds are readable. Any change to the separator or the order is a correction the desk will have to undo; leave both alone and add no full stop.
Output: **1:13:15**
